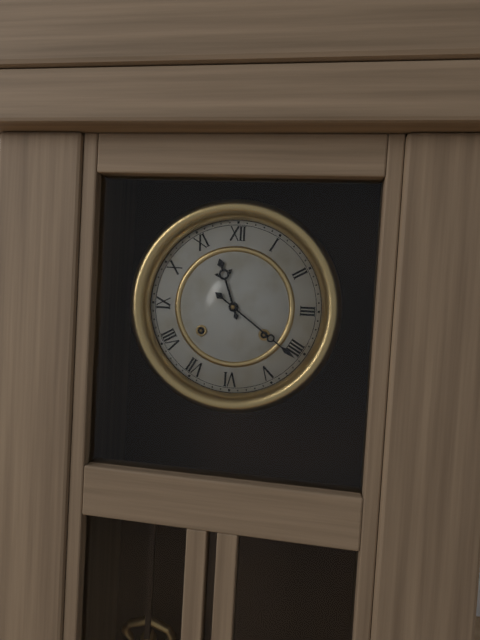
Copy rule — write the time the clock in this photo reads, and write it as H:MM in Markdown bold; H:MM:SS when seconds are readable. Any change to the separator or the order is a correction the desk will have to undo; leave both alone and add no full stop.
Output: **11:21**
